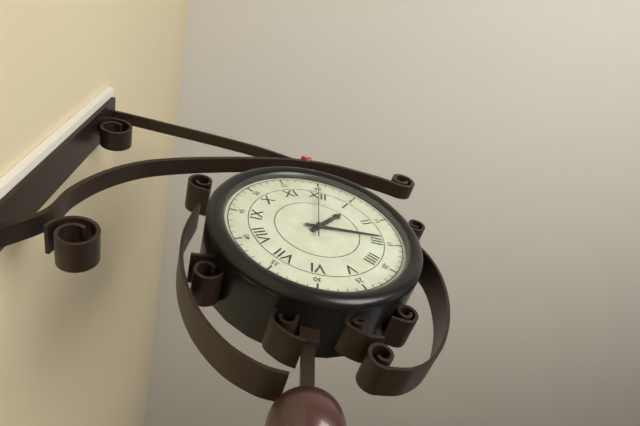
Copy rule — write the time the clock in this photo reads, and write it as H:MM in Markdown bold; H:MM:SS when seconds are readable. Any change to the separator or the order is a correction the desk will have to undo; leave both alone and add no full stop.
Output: **1:14**
